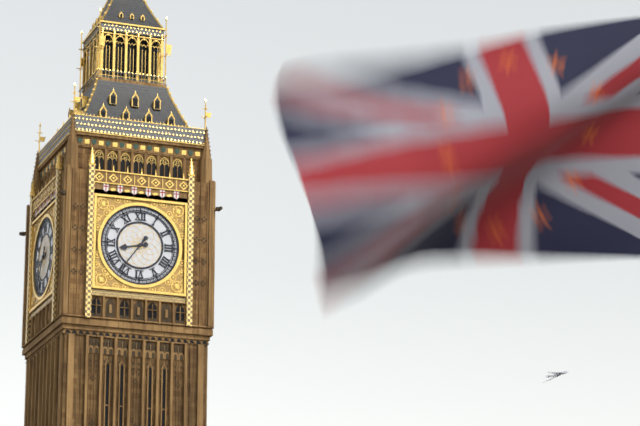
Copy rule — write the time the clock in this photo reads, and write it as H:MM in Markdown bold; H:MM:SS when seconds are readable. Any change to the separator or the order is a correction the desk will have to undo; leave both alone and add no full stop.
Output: **8:36**
